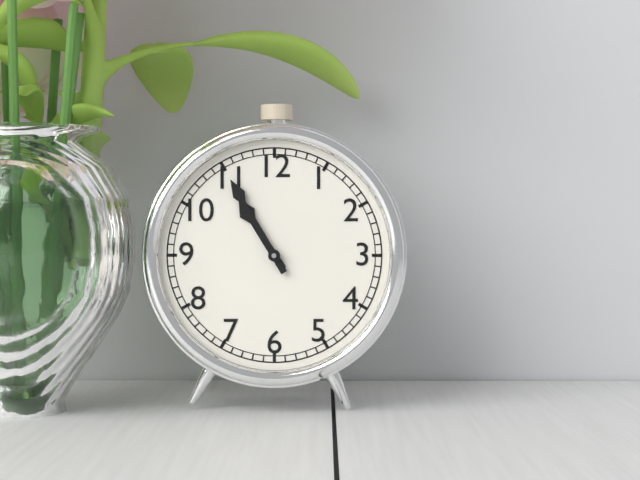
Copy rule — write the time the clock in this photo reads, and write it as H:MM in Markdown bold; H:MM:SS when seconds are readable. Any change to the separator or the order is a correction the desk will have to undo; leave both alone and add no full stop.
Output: **10:55**
